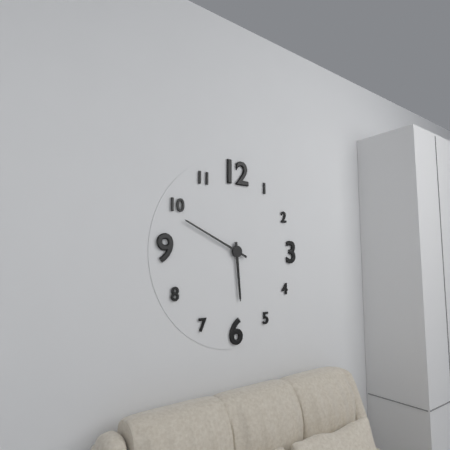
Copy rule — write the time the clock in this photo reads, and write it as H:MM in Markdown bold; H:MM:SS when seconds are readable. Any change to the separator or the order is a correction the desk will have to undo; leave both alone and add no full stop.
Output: **5:49**
